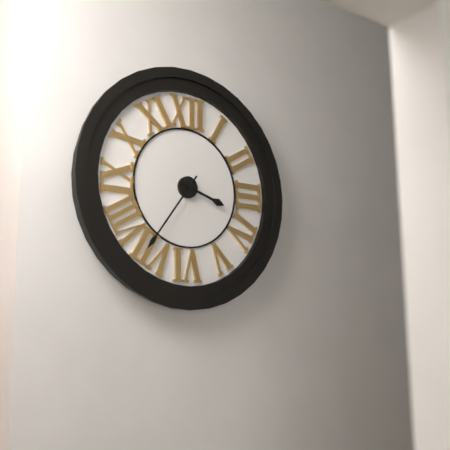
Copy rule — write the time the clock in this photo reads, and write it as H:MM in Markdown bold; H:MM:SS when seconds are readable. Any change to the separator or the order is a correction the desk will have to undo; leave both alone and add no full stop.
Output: **3:36**
